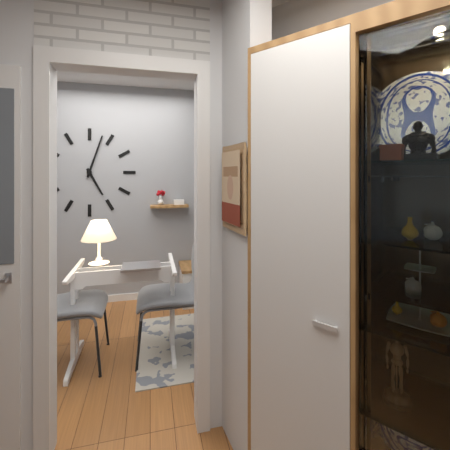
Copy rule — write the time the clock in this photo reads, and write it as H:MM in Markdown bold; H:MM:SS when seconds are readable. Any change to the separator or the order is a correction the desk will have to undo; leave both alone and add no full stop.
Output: **5:03**
